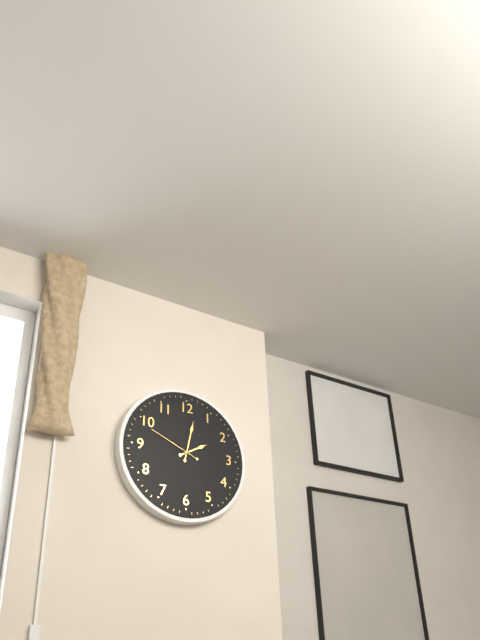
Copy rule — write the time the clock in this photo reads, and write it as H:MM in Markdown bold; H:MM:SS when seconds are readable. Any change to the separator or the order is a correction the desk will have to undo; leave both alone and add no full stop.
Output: **2:02:49**
